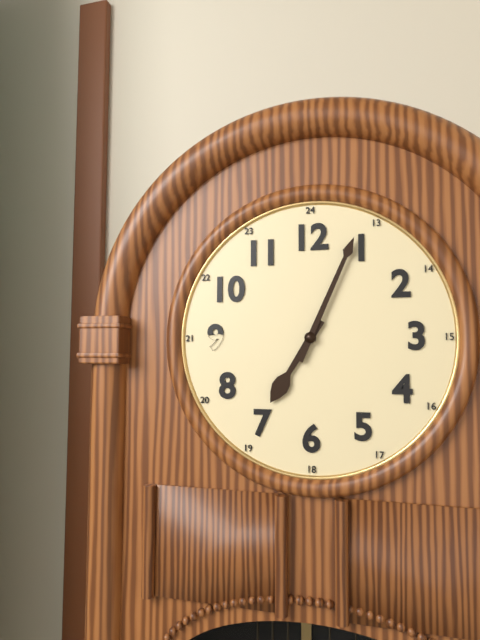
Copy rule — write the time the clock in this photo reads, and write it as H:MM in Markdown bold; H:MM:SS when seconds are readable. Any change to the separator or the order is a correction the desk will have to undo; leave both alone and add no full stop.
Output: **7:04**
